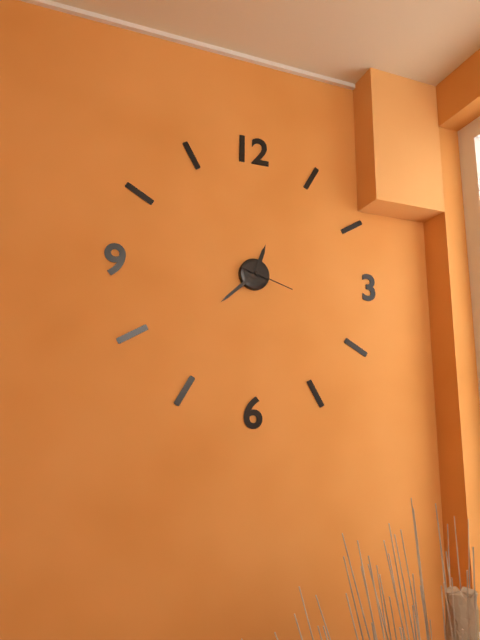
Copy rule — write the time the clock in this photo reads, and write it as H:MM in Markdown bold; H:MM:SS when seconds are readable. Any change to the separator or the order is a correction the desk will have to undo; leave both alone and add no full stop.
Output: **12:38:18**
